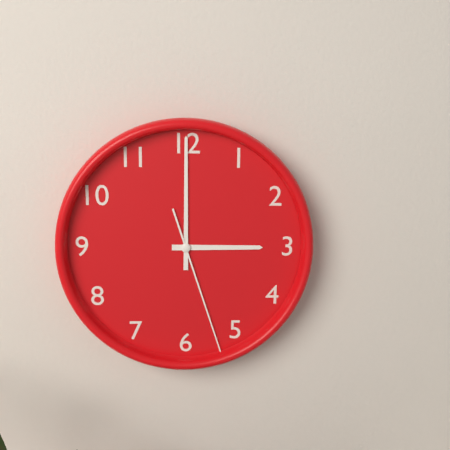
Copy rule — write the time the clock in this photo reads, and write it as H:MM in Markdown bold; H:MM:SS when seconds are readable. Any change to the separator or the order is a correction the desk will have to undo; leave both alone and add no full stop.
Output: **3:00:27**
